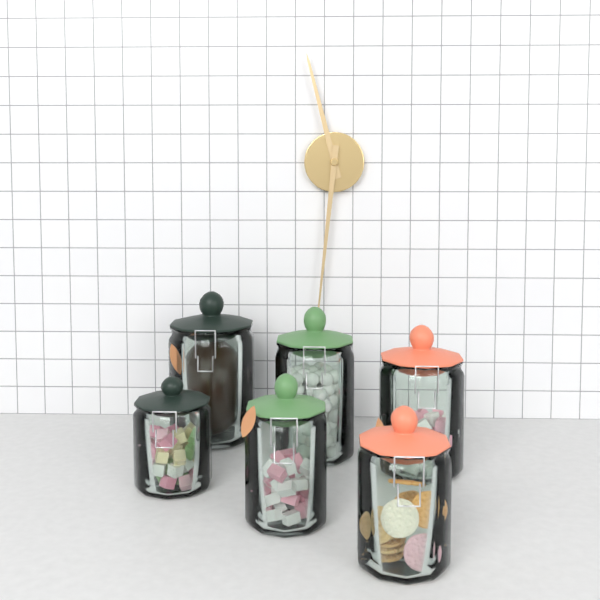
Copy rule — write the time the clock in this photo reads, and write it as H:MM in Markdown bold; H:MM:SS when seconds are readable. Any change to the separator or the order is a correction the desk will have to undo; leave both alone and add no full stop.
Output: **11:31**
